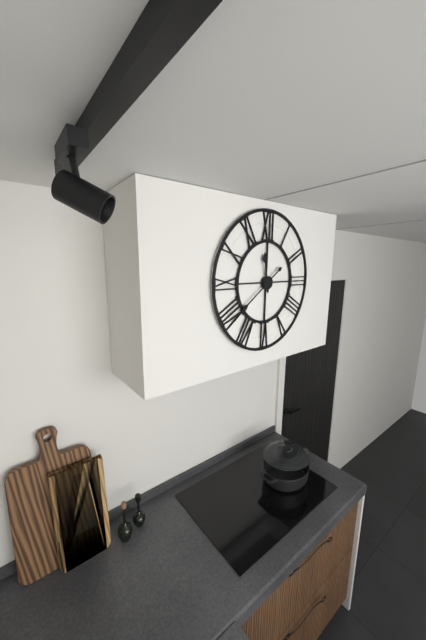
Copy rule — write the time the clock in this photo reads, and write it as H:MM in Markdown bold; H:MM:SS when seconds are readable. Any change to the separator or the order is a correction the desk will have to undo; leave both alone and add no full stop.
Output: **11:39**
